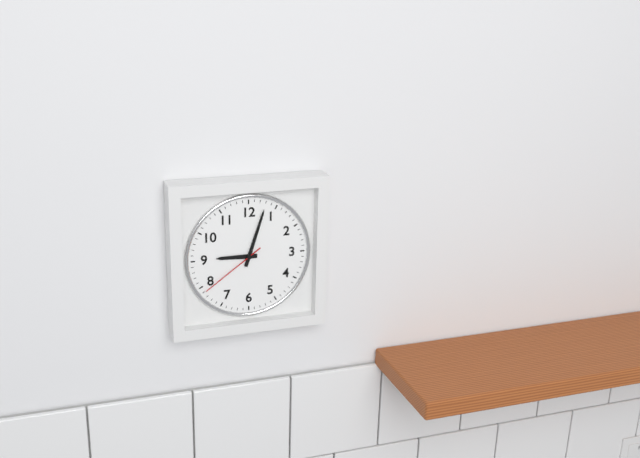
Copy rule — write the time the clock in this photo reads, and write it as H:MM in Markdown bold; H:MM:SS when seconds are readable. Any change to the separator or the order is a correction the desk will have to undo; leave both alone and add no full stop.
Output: **9:03:39**
